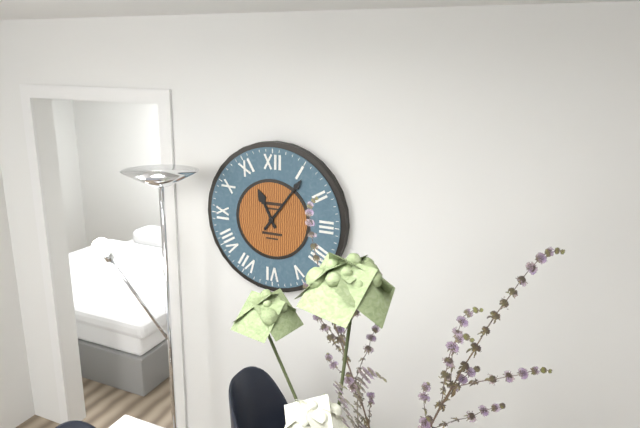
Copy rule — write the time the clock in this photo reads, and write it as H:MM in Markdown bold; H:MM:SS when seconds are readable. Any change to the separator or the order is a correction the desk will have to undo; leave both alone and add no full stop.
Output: **11:06**
